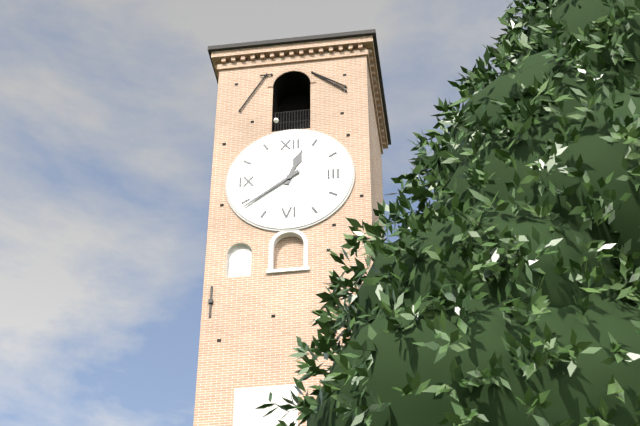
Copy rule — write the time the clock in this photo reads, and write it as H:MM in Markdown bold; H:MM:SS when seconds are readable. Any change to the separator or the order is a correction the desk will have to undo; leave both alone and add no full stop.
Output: **12:39**
